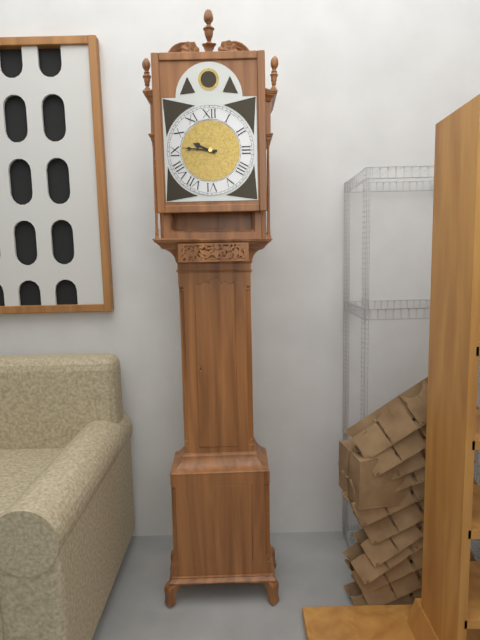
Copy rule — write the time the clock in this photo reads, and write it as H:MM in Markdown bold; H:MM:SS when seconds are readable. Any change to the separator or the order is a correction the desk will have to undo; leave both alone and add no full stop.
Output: **9:46**
